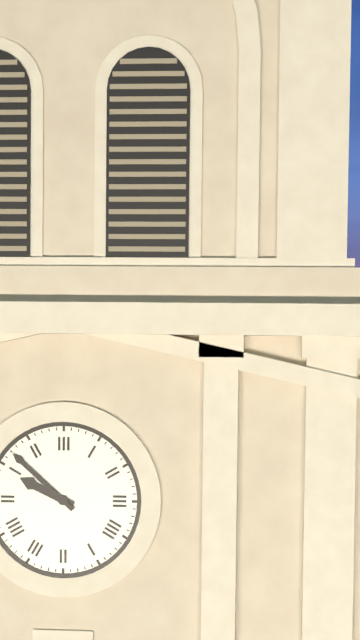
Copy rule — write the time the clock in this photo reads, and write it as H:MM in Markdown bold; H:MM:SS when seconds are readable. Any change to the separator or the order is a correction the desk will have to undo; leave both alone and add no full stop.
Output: **9:52**
